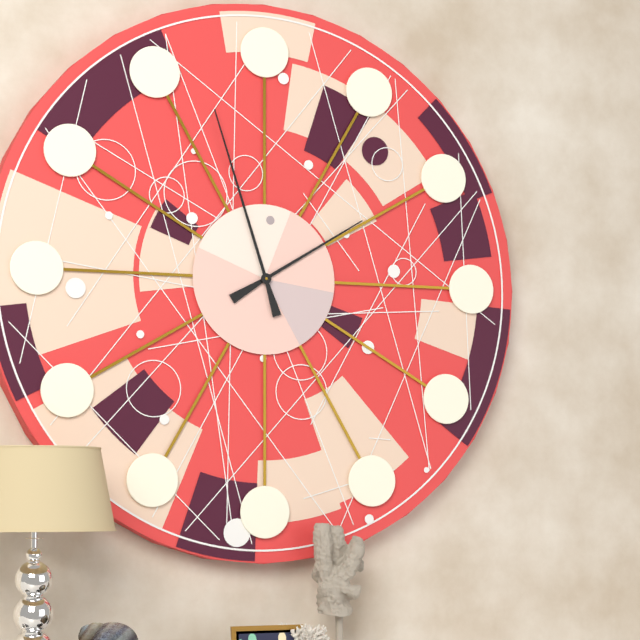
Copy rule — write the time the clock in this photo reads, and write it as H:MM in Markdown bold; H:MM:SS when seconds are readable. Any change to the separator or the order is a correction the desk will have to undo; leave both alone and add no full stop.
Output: **1:57**
